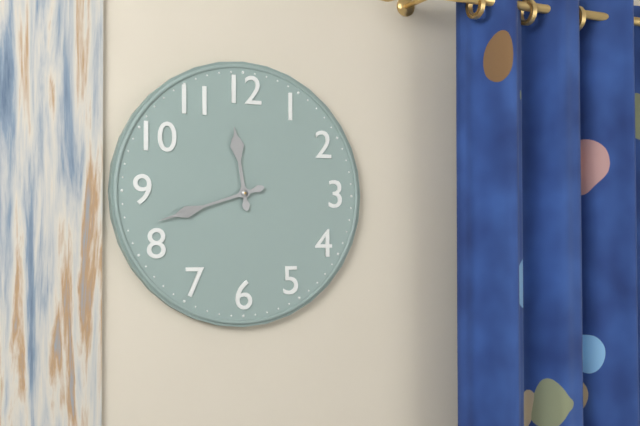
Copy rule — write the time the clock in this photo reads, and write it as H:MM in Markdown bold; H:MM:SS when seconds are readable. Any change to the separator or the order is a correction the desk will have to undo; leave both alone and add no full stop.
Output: **11:42**
